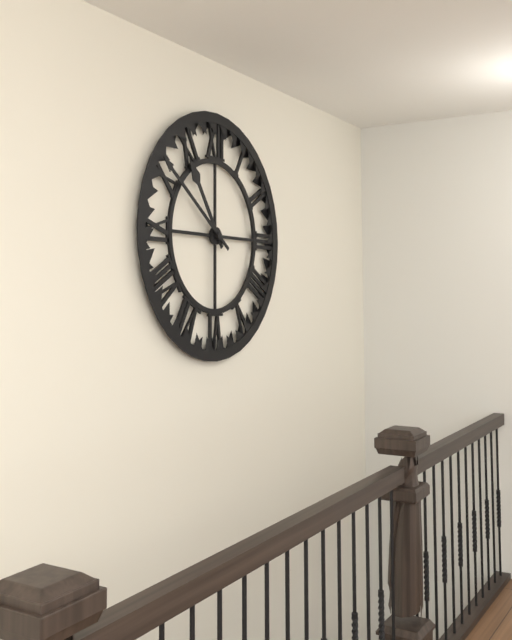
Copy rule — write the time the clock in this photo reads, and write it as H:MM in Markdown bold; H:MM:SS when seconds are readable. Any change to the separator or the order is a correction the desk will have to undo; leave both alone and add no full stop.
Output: **10:51**
